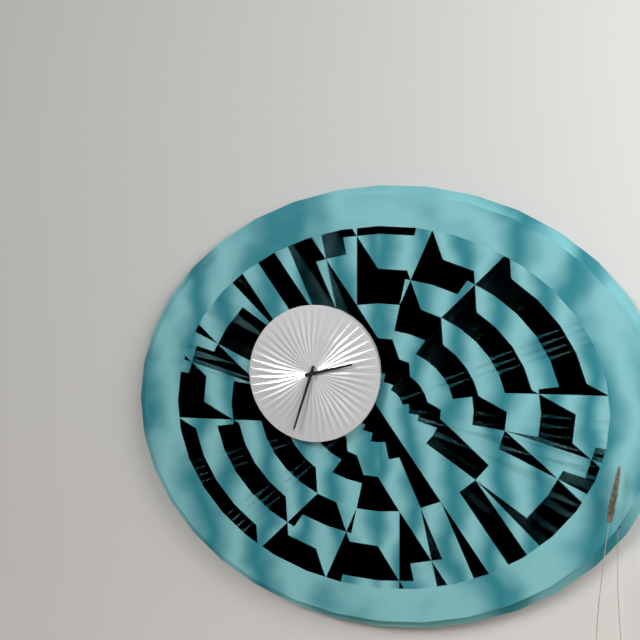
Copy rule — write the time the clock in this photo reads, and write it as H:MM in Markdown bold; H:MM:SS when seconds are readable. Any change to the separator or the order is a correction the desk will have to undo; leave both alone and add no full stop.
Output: **2:33**
